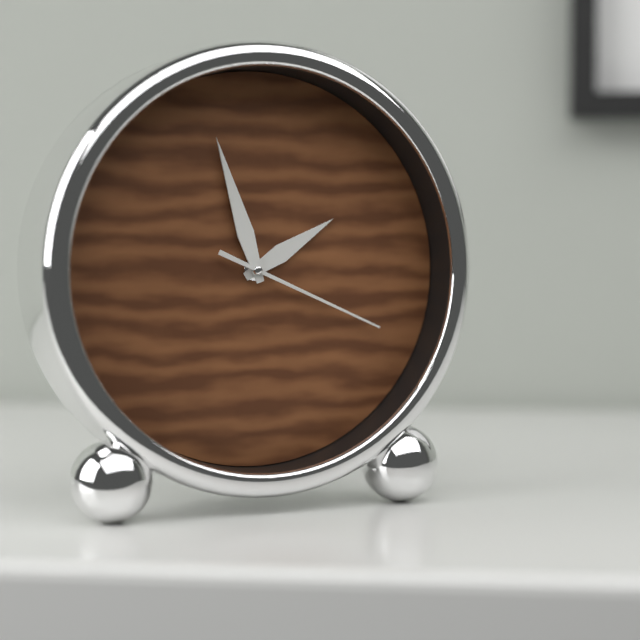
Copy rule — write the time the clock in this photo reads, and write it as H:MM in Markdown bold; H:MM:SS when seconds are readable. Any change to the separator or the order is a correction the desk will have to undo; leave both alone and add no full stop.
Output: **1:57:19**
